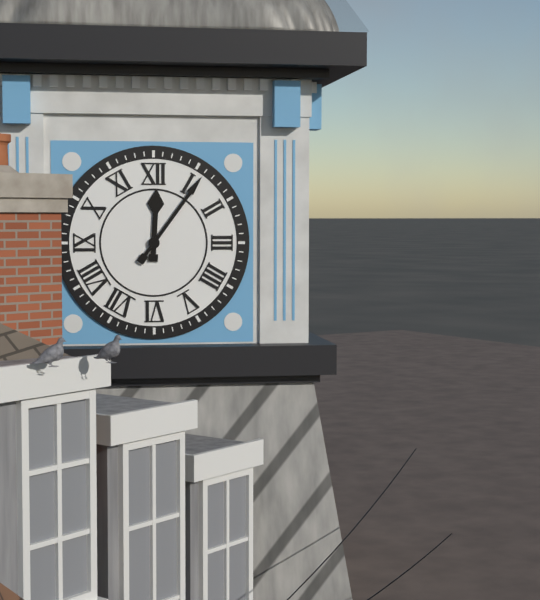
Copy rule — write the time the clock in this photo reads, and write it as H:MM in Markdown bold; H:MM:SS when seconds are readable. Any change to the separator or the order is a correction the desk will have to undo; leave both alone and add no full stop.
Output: **12:06**
